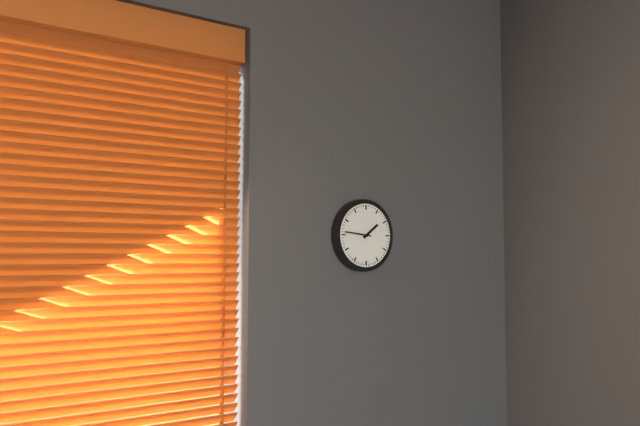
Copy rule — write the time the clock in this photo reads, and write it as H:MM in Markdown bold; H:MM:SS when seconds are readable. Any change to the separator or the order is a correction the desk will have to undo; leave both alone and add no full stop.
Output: **1:46**
